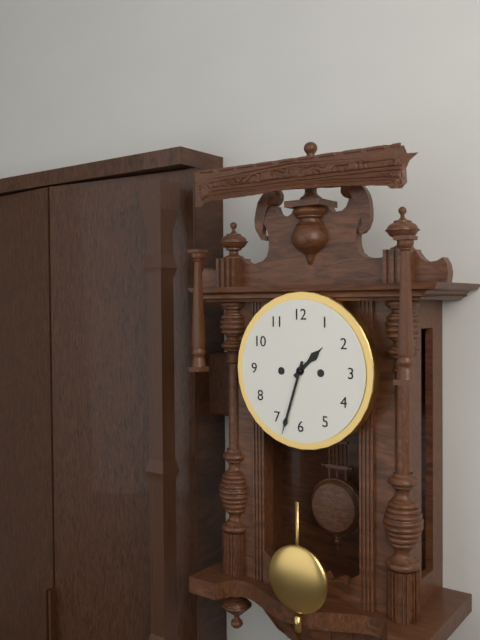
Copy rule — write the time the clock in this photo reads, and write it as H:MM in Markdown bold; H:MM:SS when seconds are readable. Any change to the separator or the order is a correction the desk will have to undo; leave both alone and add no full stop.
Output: **1:33**
